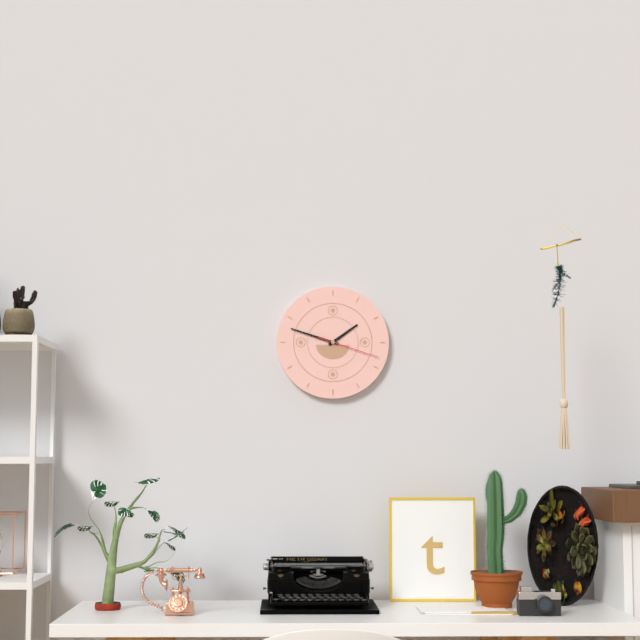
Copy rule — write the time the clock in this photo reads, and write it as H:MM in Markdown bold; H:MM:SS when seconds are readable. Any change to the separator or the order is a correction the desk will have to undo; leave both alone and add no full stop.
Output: **1:48:18**
